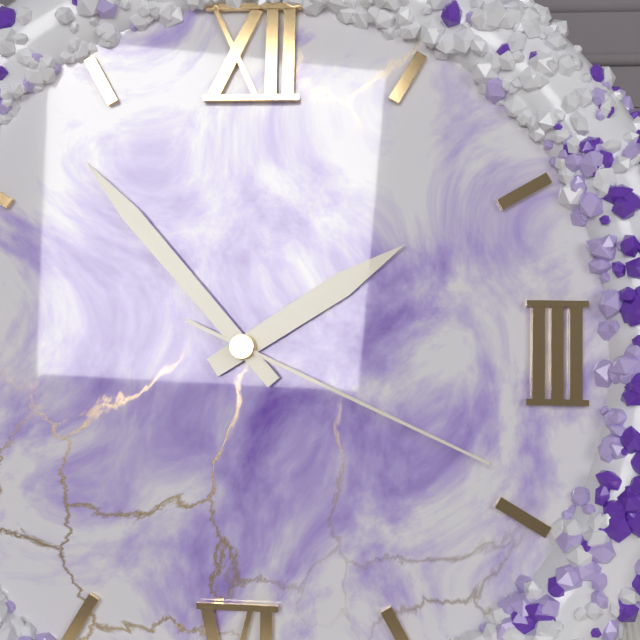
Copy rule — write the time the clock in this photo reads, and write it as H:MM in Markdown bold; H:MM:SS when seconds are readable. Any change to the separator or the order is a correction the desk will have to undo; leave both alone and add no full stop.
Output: **1:53:19**
